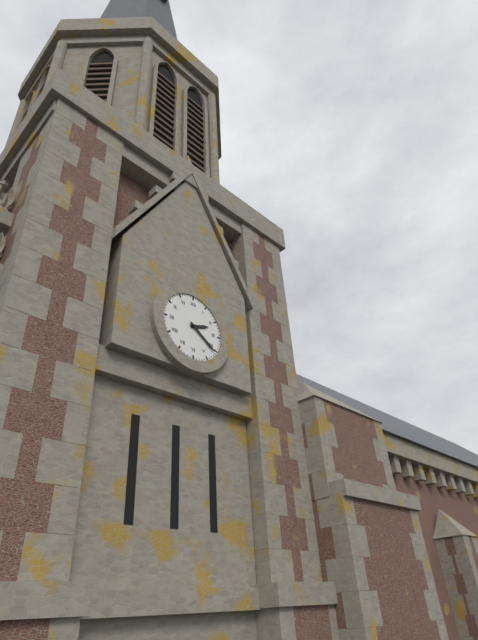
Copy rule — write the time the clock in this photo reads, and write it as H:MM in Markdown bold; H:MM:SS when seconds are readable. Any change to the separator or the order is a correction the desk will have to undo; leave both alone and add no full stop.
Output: **2:21**
